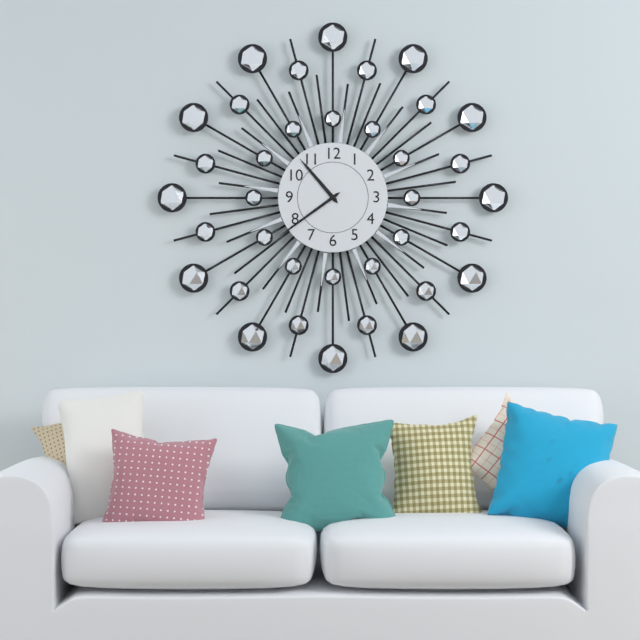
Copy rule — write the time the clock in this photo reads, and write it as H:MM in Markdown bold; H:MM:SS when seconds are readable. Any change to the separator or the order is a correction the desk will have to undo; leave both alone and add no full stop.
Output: **10:39**
